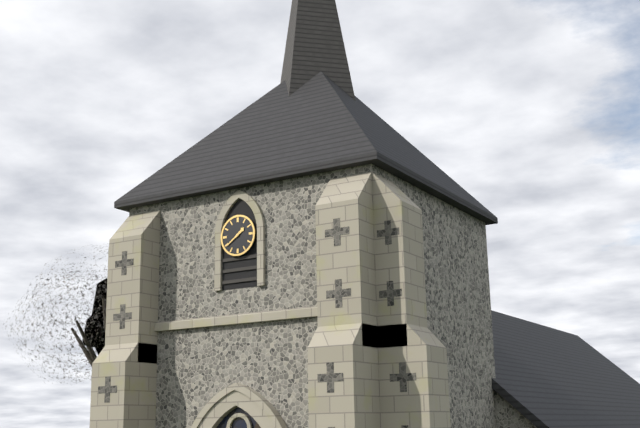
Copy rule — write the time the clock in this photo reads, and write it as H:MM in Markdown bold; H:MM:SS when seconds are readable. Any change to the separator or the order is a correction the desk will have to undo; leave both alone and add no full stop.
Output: **1:39**
